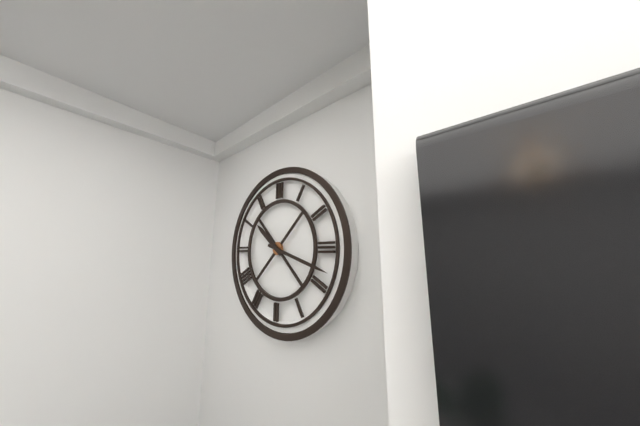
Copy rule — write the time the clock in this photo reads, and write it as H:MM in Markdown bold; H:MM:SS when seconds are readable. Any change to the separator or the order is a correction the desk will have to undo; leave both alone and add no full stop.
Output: **10:18**
